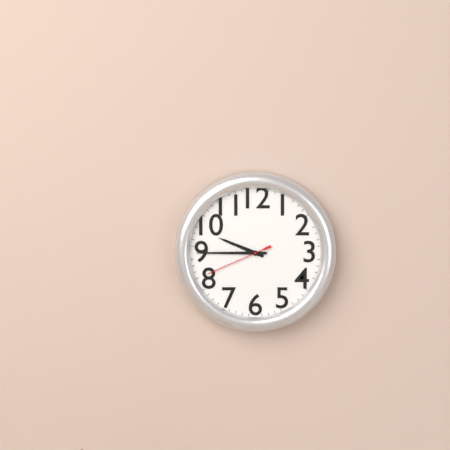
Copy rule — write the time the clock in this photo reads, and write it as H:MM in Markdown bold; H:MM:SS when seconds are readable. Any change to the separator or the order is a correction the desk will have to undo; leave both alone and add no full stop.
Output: **9:45:41**
